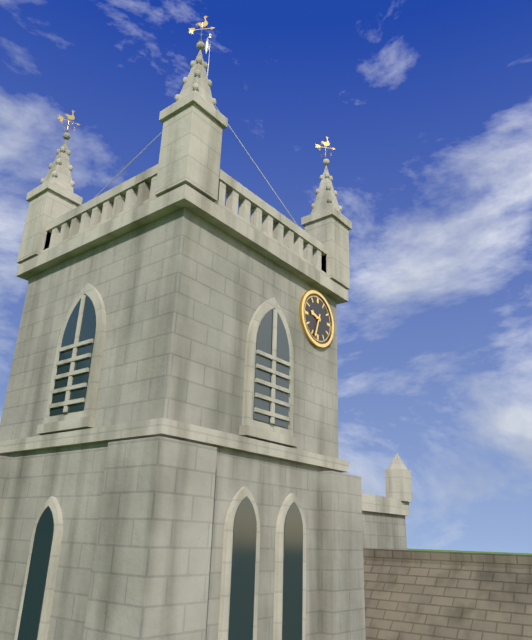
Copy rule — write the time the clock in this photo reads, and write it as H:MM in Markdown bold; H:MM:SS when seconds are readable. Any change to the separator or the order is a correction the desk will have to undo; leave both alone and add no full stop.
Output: **9:33**
